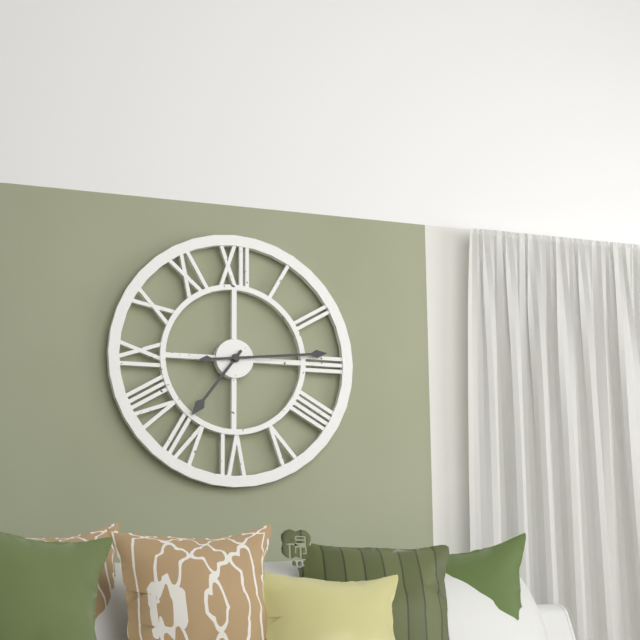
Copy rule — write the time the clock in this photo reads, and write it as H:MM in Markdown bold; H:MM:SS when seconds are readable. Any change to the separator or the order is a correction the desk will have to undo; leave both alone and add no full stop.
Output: **7:14**
